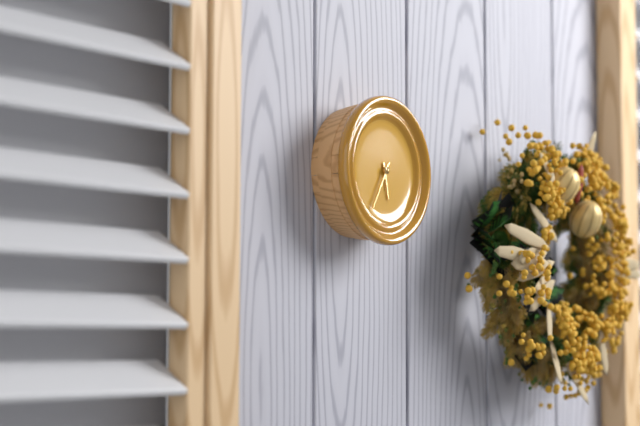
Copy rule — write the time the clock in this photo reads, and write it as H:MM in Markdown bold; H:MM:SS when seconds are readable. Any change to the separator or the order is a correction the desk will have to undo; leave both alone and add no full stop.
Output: **5:35**
